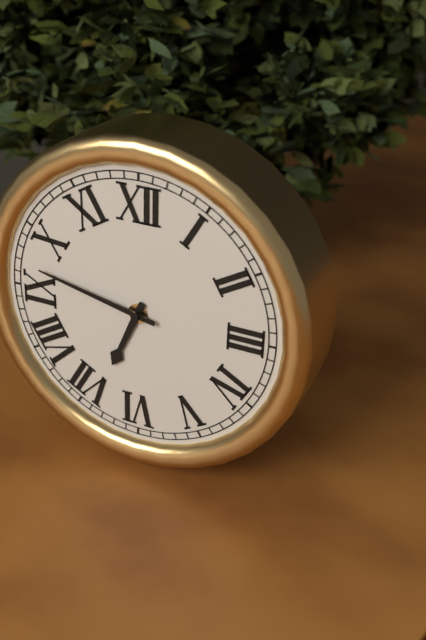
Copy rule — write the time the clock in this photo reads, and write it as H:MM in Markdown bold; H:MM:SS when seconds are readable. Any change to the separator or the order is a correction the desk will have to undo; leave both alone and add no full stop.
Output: **6:47**
